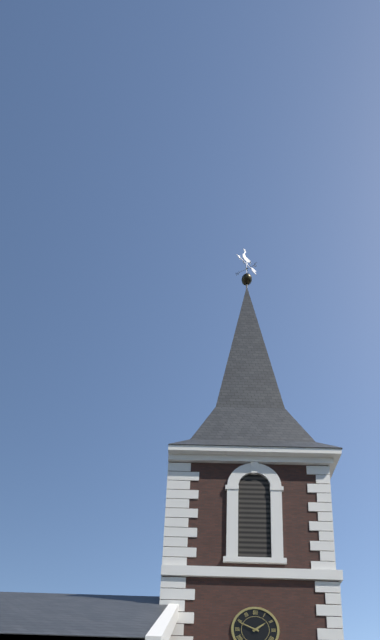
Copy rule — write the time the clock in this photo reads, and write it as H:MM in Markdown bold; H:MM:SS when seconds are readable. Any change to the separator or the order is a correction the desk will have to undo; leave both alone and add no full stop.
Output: **1:49**
